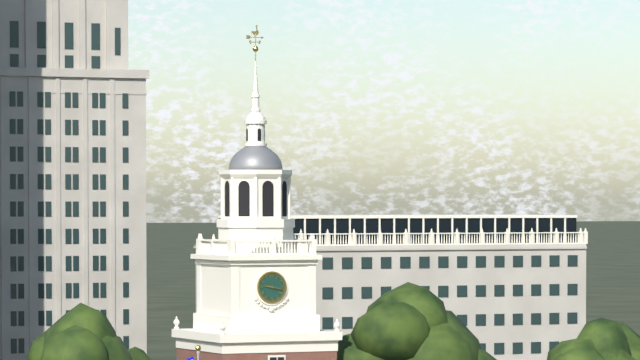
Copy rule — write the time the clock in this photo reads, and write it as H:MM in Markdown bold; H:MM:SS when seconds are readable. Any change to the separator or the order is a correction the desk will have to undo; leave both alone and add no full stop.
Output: **9:17**
